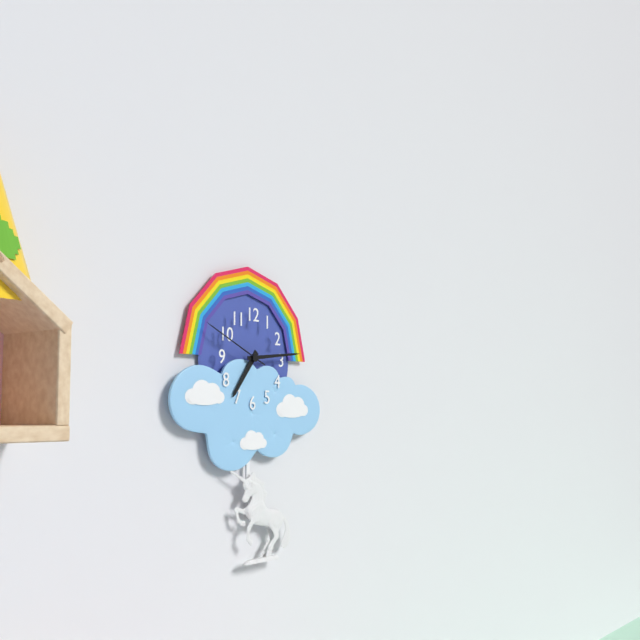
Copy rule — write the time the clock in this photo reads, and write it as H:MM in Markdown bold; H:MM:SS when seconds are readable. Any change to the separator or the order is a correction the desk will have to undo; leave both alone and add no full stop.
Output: **7:14:49**
